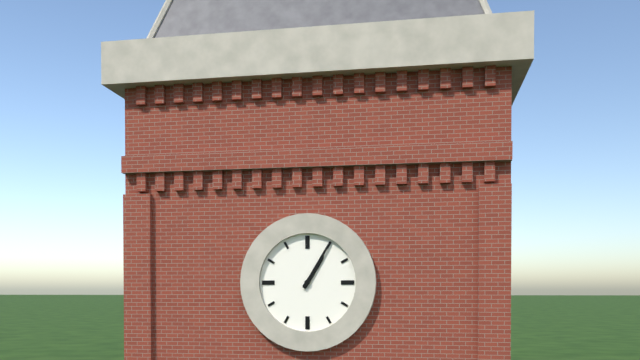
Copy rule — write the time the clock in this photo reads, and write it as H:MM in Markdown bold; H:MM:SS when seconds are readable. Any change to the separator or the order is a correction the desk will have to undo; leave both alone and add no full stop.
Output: **1:05**
